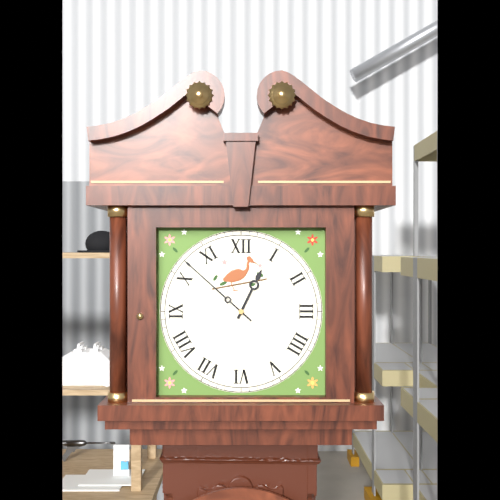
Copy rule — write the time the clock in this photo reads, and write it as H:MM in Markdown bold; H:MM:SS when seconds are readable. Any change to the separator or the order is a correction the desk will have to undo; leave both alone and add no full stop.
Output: **12:52**
